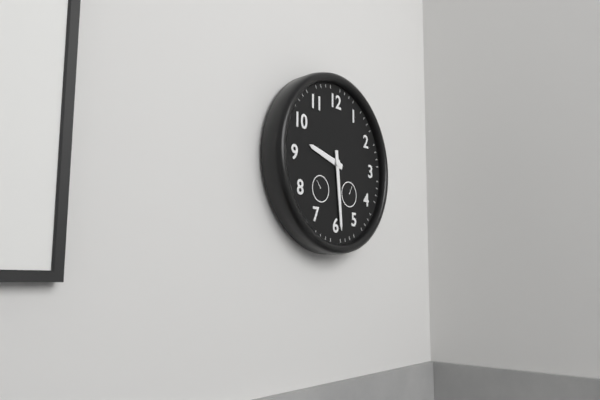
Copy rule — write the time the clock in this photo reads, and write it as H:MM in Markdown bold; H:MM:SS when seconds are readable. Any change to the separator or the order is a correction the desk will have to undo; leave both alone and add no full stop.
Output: **9:29**
